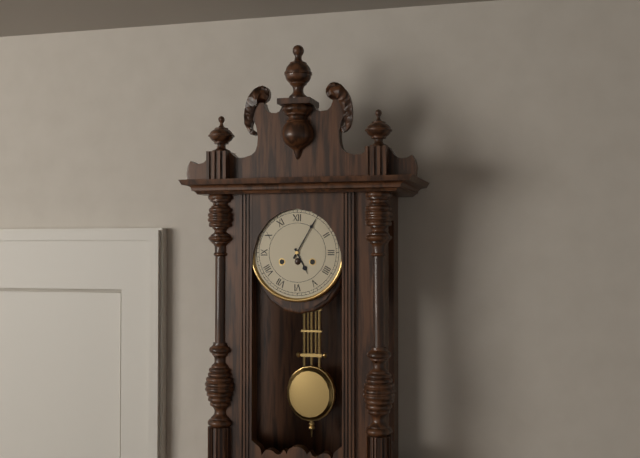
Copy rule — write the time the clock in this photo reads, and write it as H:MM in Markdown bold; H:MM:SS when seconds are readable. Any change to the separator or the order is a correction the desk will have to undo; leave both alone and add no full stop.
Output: **5:05**
